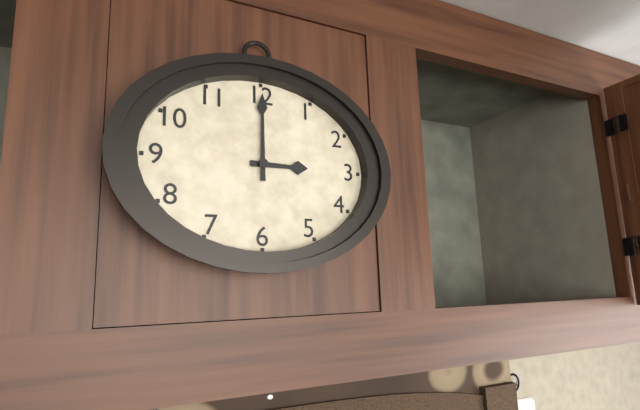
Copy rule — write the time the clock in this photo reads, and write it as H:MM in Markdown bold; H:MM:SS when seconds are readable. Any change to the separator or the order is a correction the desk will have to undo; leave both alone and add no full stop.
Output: **3:00**
